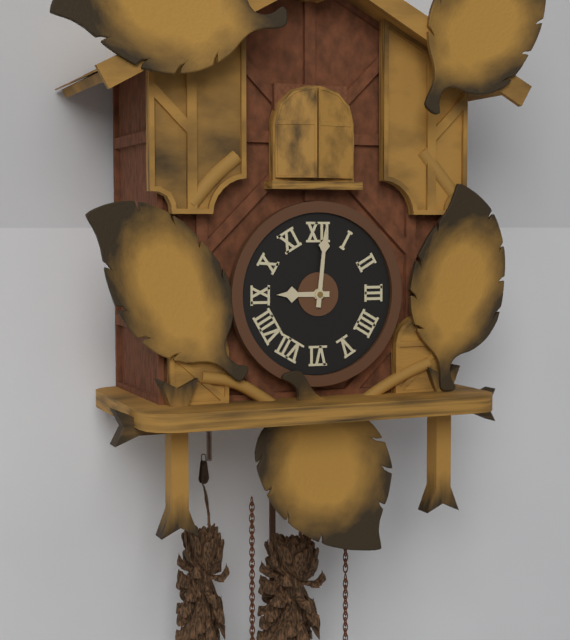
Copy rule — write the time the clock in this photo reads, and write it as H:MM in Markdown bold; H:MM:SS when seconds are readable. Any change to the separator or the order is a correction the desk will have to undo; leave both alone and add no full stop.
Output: **9:01**
